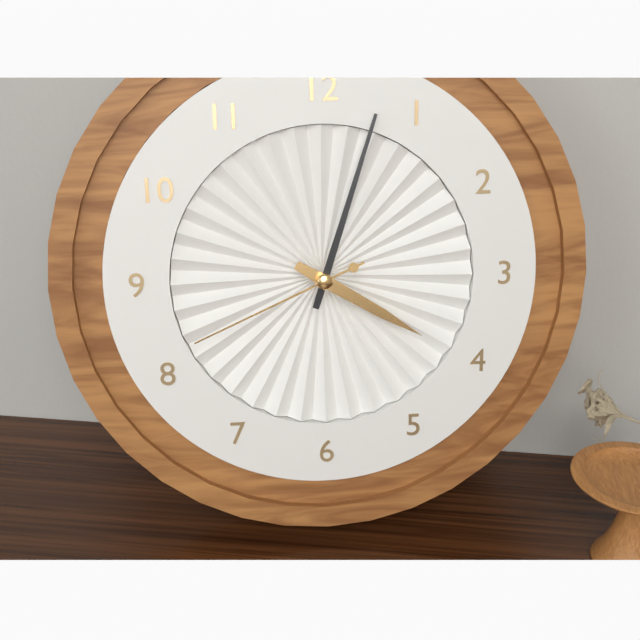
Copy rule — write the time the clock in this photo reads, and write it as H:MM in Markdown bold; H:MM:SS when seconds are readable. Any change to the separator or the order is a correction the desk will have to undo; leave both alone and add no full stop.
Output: **4:03:41**
